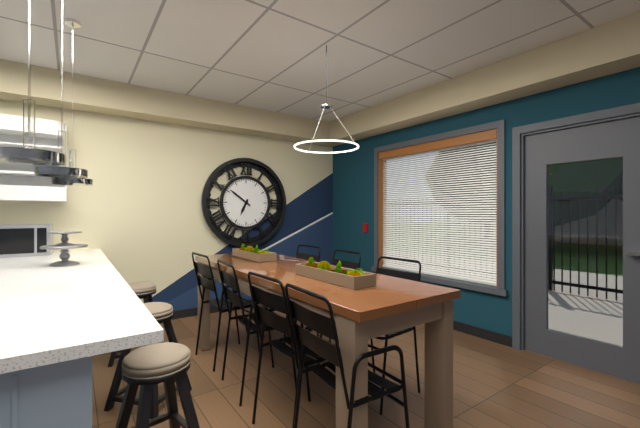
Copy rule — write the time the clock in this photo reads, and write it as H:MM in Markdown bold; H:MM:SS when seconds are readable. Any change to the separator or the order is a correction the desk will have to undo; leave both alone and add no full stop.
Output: **6:51**
